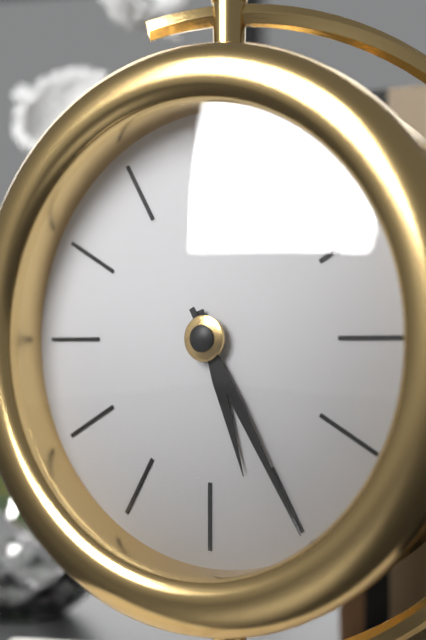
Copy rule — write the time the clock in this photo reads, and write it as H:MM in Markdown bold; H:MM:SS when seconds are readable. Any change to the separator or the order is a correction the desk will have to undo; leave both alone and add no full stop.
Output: **5:25**
